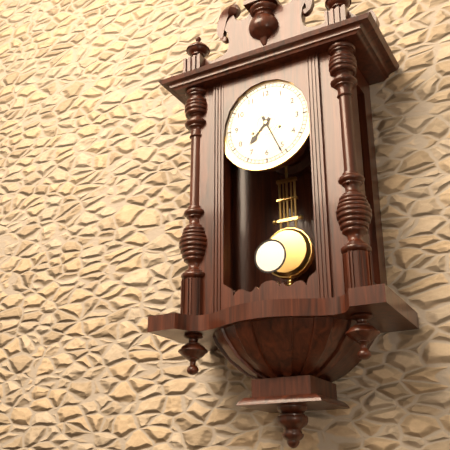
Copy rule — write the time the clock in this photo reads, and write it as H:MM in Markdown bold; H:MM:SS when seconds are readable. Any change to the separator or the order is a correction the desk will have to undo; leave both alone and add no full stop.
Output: **7:26**
